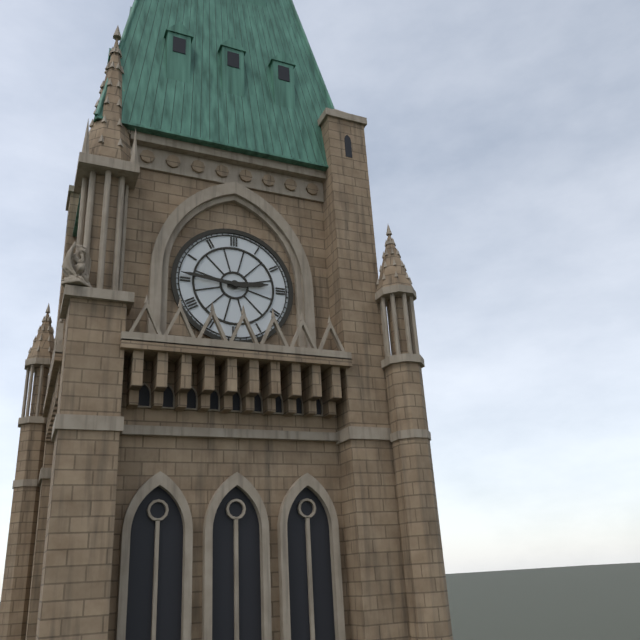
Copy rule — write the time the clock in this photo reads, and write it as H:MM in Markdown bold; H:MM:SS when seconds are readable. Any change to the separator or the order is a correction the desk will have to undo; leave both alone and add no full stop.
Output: **2:46**
